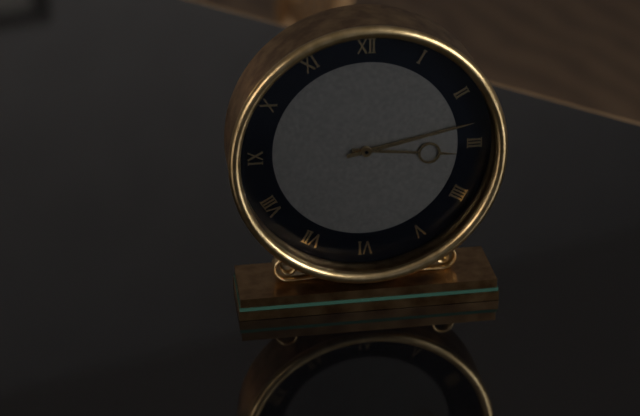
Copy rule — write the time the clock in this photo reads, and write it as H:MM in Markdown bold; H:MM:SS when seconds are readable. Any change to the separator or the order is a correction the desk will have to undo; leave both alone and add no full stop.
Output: **3:13**
